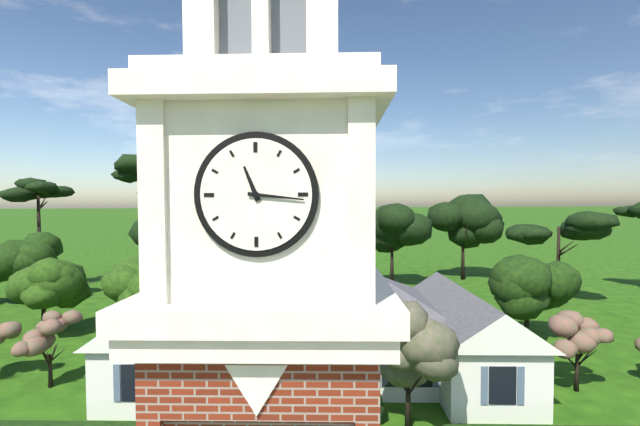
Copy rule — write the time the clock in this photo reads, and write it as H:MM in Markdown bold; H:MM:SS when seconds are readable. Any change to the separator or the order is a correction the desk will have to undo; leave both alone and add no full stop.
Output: **11:16**
